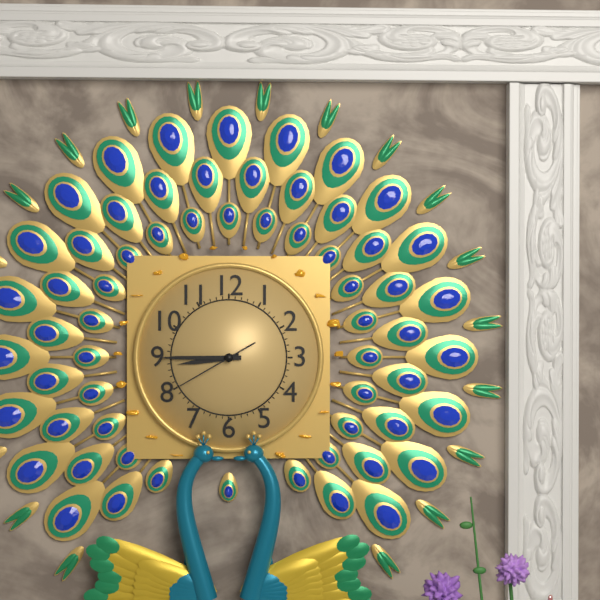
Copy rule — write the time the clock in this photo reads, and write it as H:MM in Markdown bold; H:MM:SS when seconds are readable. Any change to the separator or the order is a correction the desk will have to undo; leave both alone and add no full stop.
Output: **8:45:40**
